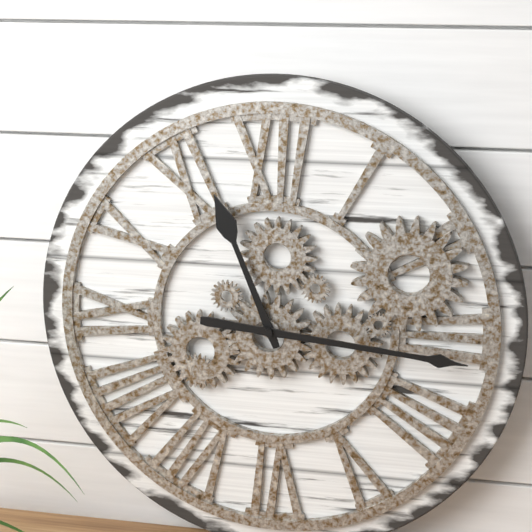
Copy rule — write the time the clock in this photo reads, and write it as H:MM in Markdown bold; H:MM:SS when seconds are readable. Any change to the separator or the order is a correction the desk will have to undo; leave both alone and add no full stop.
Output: **11:16**
